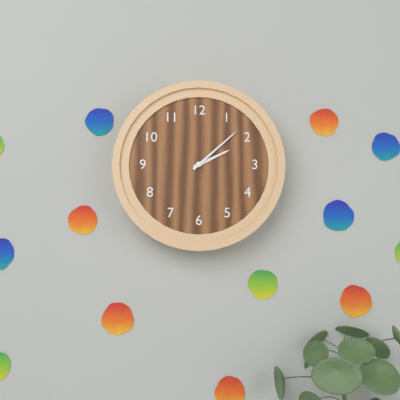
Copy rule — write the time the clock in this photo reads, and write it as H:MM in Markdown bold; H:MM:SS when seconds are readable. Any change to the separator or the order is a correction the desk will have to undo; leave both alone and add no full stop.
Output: **2:08**
